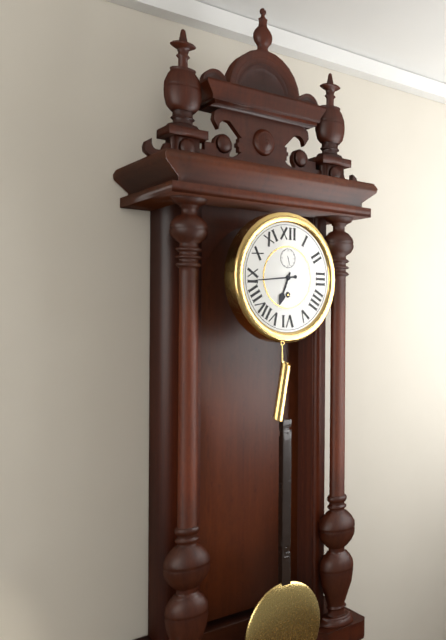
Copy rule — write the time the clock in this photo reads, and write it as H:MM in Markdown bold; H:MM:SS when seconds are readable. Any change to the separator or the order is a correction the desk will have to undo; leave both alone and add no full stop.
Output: **6:44**
